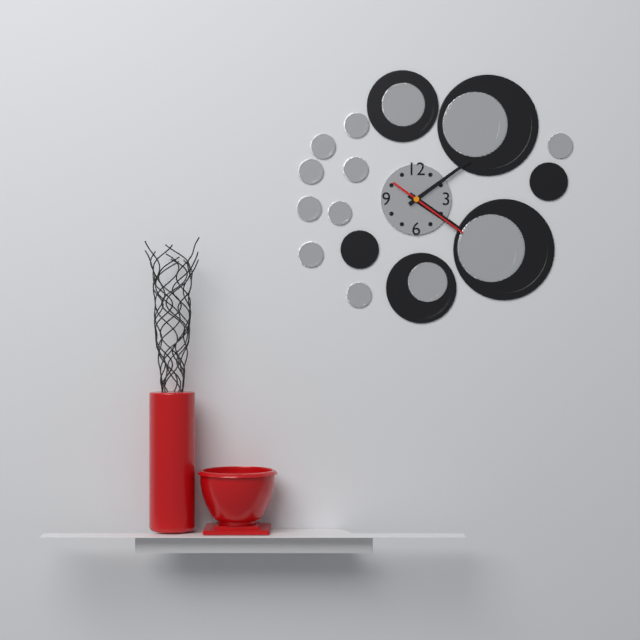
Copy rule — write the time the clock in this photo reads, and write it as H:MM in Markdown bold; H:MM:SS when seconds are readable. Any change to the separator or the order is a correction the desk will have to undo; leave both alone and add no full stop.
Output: **4:09:21**
